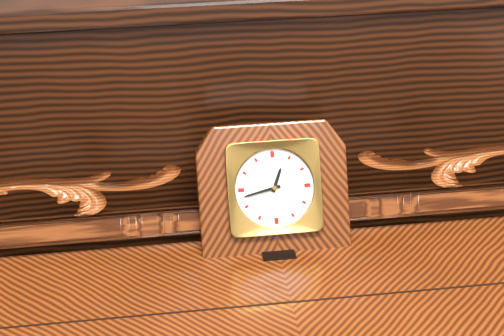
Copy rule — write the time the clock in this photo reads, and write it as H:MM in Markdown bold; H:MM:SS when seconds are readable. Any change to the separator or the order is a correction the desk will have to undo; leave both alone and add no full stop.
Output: **12:43**
